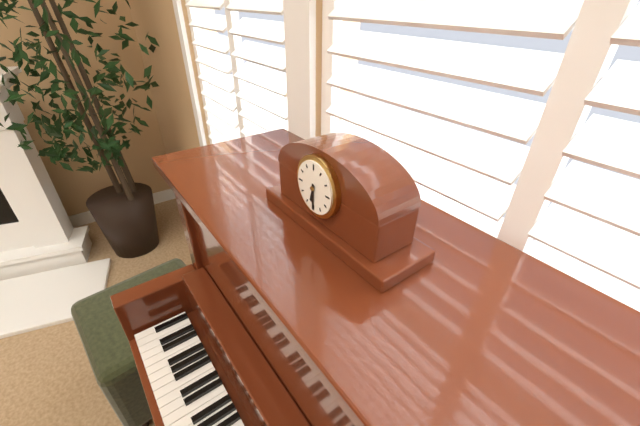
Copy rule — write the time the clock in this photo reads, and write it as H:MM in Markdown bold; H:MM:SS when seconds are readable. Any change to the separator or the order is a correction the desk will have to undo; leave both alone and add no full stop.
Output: **6:30**
